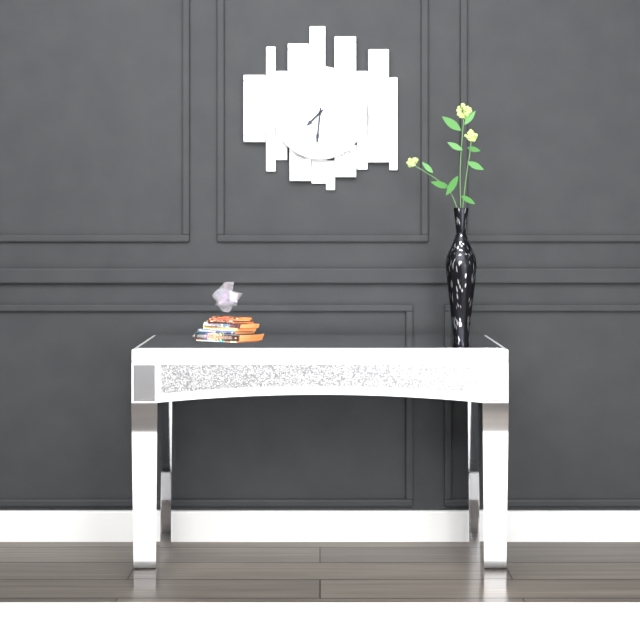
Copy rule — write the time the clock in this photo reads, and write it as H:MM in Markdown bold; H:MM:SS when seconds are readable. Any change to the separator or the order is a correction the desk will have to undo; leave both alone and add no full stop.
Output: **7:31**
